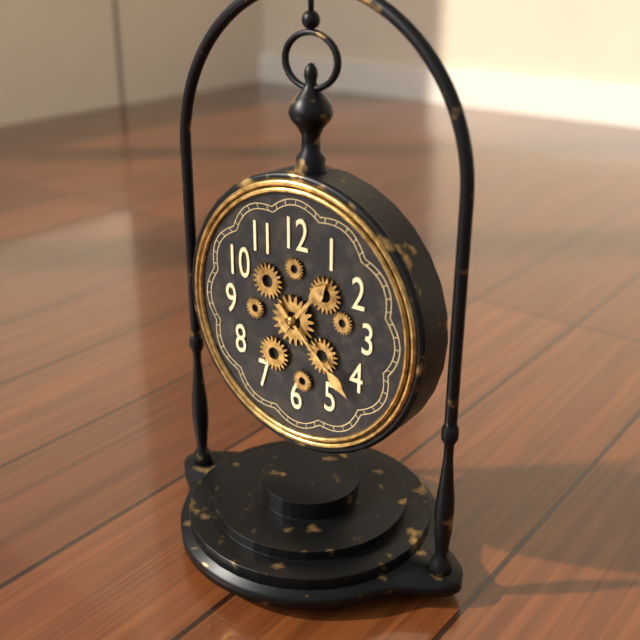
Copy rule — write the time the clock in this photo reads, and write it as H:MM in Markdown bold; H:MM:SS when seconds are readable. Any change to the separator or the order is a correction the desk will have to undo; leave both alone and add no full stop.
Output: **1:22**
